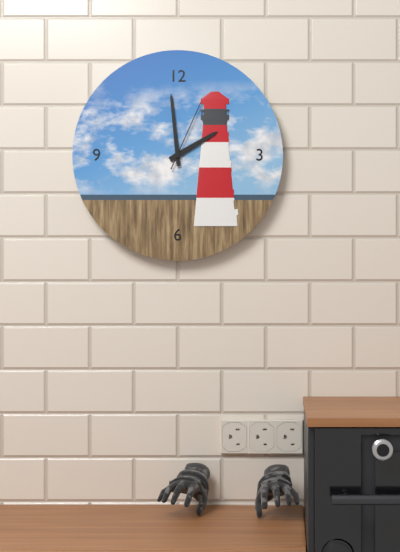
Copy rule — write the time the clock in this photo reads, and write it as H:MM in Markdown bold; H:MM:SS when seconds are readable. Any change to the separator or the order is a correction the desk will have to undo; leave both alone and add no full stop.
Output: **1:59:04**
